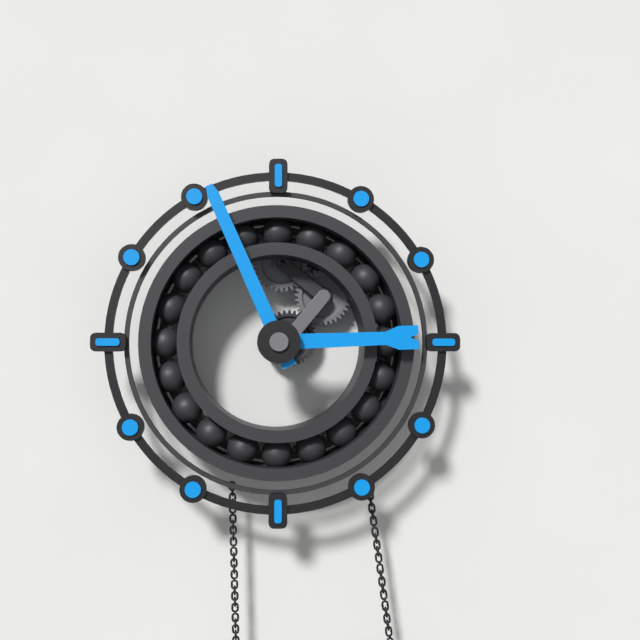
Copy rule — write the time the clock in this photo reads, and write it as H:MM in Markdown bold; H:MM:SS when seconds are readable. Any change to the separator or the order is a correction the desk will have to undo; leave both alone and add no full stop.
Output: **2:56**
